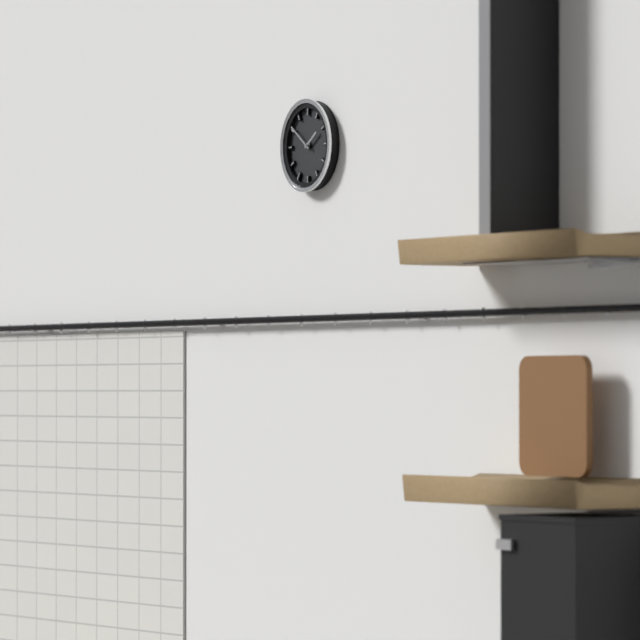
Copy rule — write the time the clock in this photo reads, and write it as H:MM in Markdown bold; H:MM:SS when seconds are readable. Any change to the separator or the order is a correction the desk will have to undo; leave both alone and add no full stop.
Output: **1:51**
